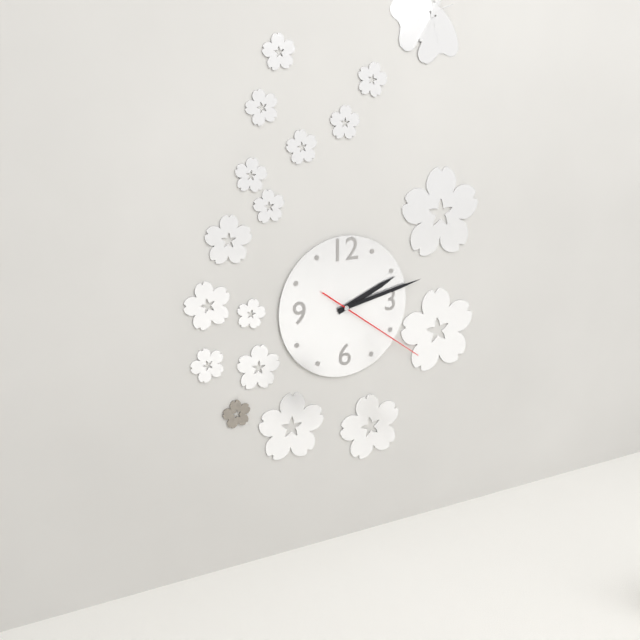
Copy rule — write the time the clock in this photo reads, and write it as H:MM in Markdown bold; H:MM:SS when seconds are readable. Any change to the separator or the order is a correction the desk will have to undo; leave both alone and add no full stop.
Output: **2:13:21**
